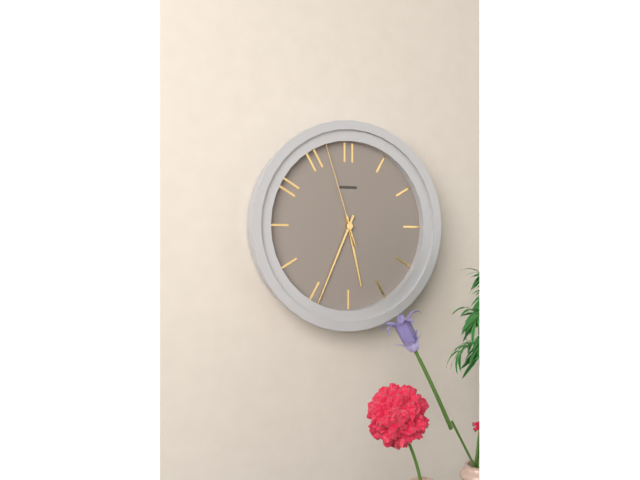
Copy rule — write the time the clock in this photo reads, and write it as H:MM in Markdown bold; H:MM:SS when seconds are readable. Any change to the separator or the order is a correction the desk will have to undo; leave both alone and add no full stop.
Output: **5:34:57**
